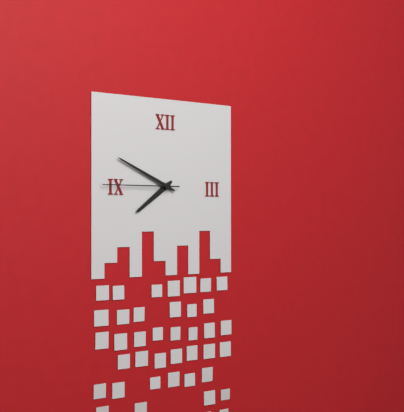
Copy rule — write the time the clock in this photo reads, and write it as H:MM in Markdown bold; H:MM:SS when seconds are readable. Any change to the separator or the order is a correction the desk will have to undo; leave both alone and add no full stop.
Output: **7:49:45**
